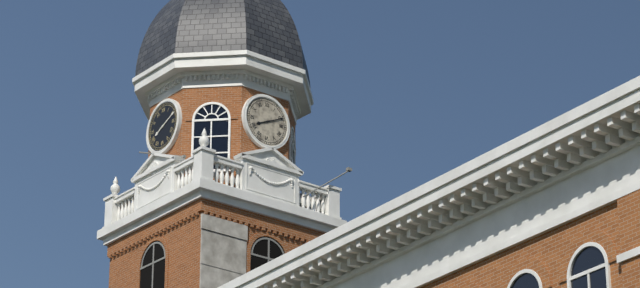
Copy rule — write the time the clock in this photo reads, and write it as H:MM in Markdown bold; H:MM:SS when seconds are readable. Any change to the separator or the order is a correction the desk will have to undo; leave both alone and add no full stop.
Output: **8:11**
